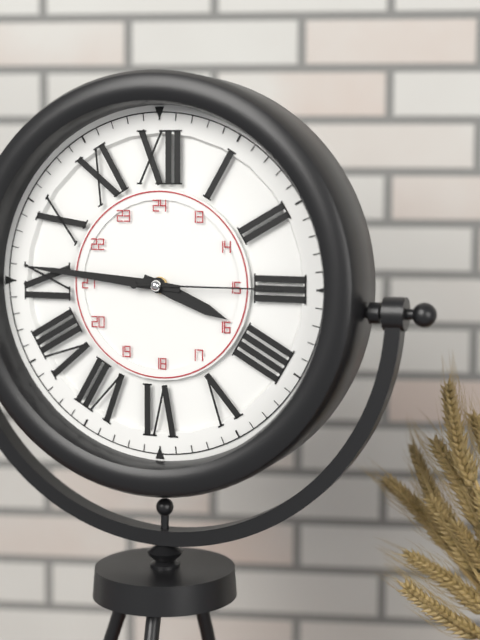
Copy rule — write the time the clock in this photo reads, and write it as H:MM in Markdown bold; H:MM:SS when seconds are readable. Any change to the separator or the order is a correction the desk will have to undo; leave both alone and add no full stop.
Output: **3:46:15**
